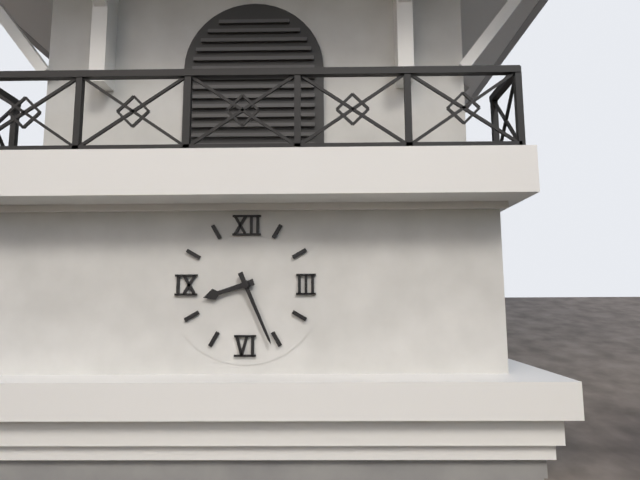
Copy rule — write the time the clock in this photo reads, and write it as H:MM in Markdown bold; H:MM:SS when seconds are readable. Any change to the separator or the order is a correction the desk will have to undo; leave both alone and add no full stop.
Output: **8:26**
